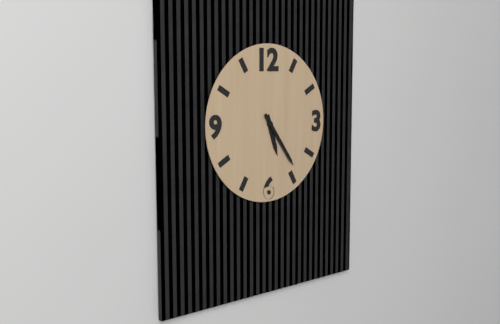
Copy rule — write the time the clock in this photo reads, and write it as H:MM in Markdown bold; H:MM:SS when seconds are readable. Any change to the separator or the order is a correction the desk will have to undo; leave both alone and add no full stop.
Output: **5:24**
